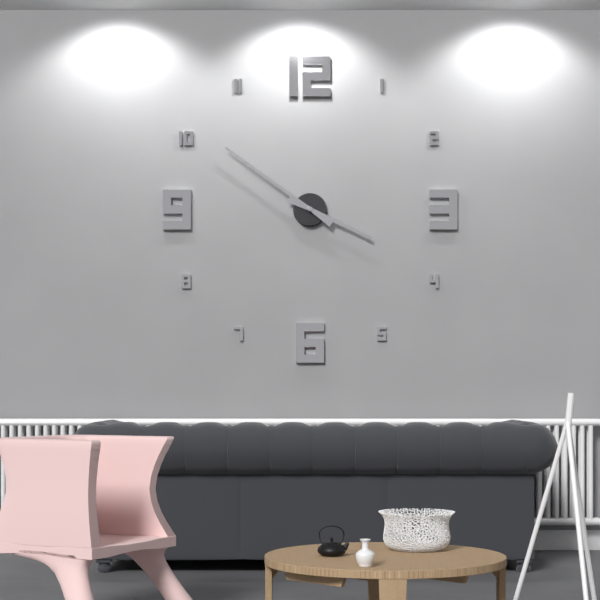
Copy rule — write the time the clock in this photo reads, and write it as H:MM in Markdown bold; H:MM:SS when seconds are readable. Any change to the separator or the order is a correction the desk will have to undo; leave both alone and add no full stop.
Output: **3:51**
